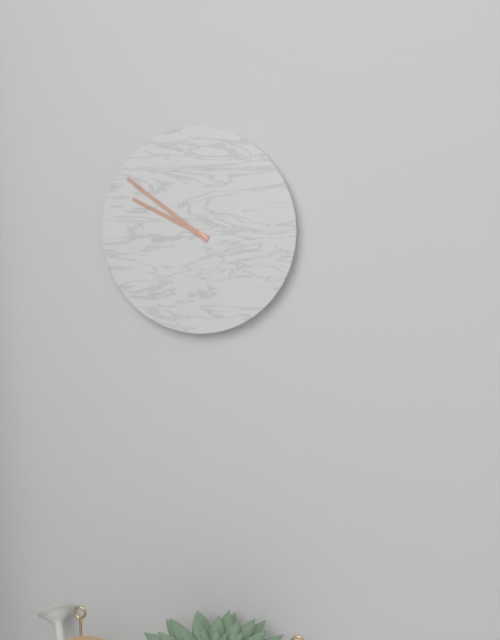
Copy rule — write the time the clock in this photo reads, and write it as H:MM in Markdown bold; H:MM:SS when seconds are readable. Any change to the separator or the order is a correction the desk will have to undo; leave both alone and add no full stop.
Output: **9:51**
